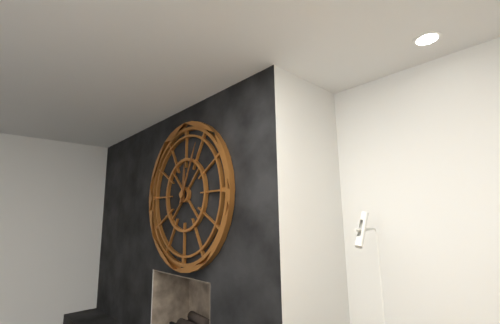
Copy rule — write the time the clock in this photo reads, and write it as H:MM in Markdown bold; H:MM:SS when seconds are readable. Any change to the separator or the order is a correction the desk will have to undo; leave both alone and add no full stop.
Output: **12:04**
